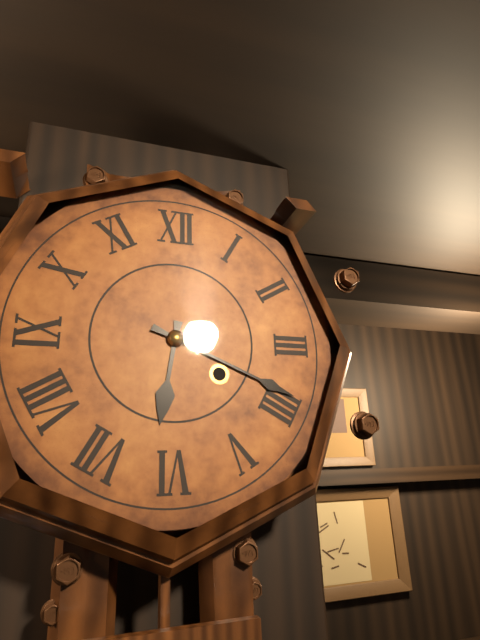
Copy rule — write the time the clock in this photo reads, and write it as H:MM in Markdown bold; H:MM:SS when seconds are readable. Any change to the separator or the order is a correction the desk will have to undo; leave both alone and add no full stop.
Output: **6:19**
